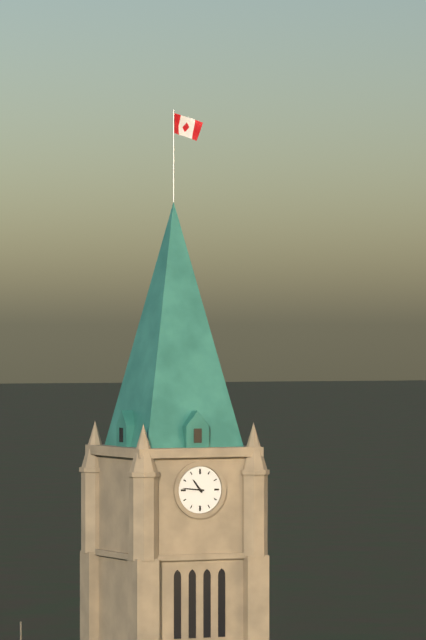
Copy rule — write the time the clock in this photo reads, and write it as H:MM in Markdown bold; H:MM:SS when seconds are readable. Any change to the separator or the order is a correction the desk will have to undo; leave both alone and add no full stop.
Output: **10:46**
